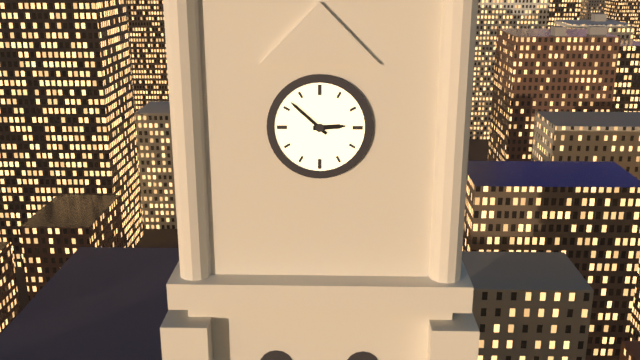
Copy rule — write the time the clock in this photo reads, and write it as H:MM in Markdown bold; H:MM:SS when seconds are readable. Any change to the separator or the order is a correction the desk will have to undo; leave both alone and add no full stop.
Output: **2:52**
